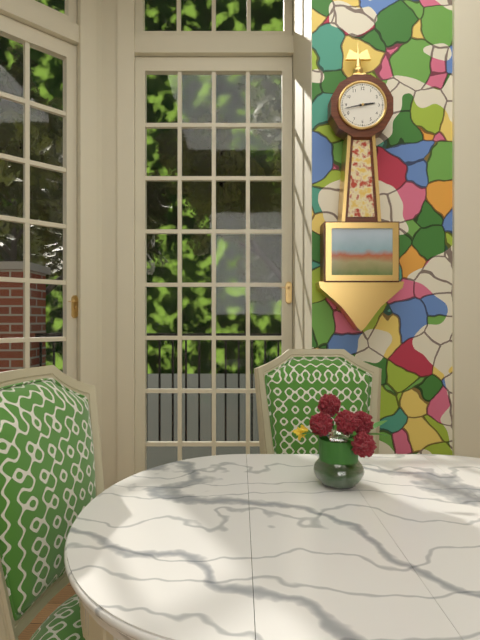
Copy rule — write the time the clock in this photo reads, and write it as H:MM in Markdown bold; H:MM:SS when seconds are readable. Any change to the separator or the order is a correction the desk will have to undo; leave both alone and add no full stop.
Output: **2:43**
